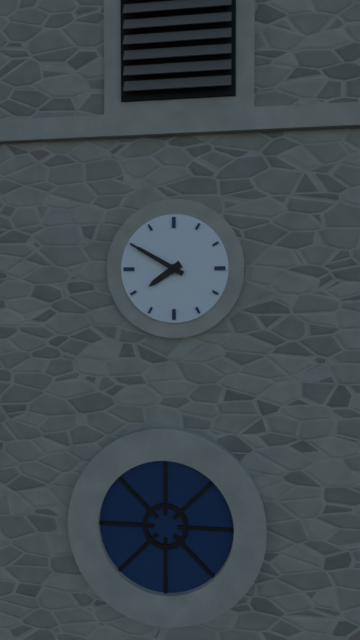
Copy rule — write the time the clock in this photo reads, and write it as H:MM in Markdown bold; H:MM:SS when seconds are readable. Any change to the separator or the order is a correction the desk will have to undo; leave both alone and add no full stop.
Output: **7:50**
